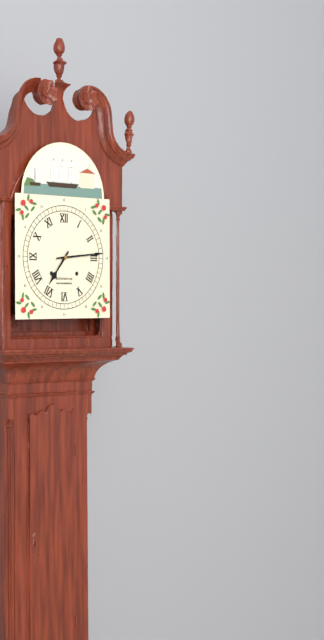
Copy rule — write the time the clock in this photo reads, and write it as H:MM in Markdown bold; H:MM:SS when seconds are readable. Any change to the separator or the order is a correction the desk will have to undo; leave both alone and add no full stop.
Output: **7:14**
